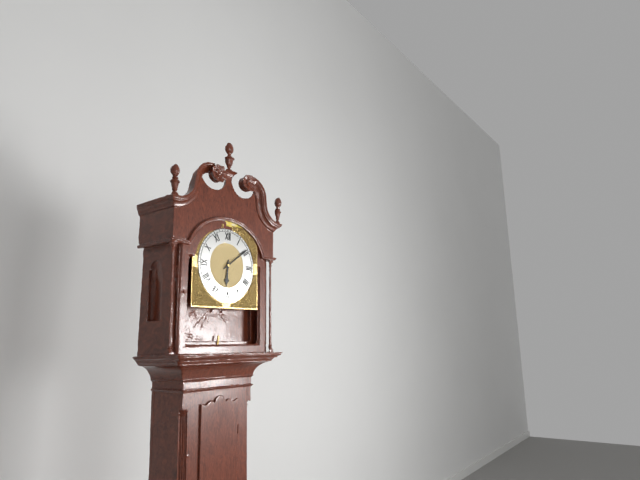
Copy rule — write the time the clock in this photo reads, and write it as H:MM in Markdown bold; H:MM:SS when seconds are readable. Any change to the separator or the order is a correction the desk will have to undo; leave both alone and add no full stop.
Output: **6:09**
